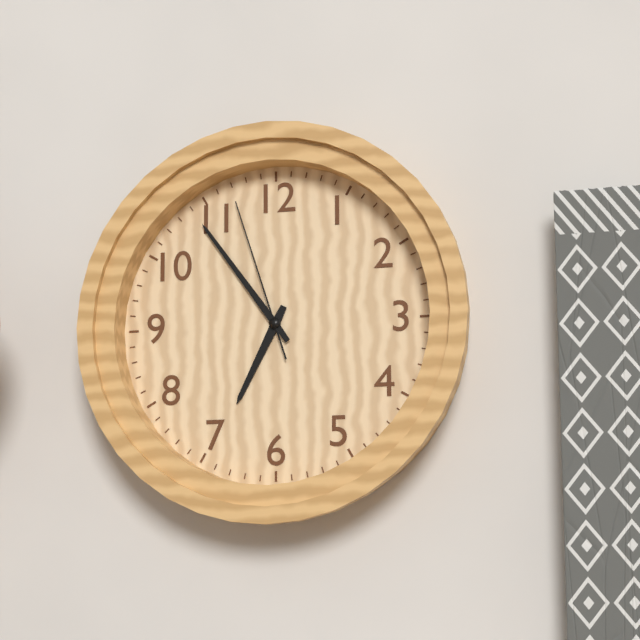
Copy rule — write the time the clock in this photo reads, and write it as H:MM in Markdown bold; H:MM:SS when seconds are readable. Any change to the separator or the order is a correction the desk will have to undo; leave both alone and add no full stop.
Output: **6:54:57**
